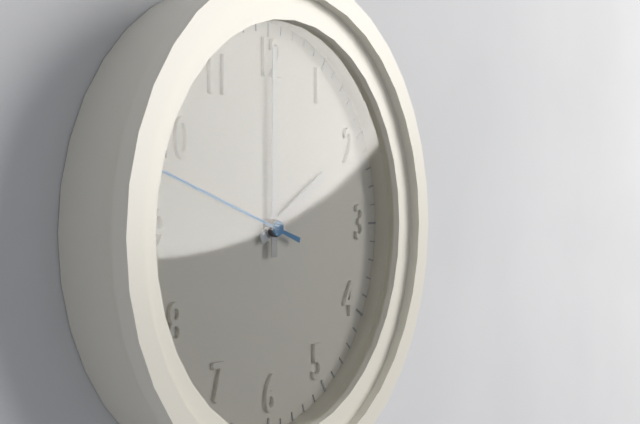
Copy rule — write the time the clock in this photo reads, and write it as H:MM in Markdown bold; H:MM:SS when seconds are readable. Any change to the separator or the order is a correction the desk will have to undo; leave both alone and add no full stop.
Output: **2:00:48**
